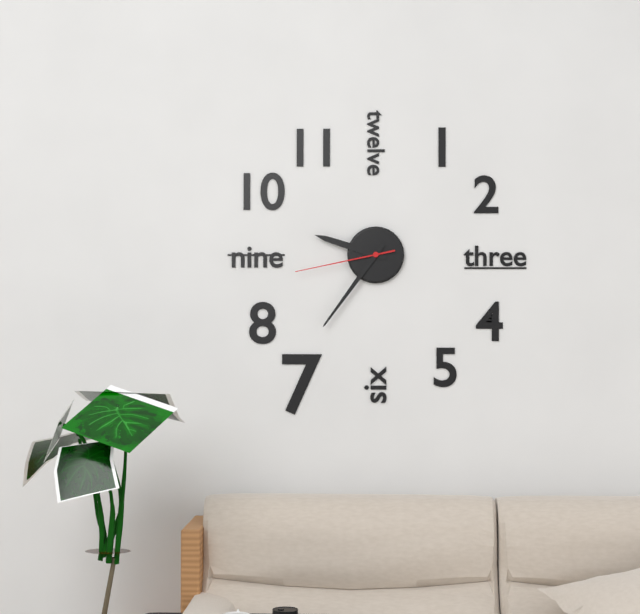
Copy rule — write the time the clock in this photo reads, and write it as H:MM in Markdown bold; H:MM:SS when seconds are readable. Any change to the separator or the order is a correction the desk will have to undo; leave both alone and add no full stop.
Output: **9:36:43**
